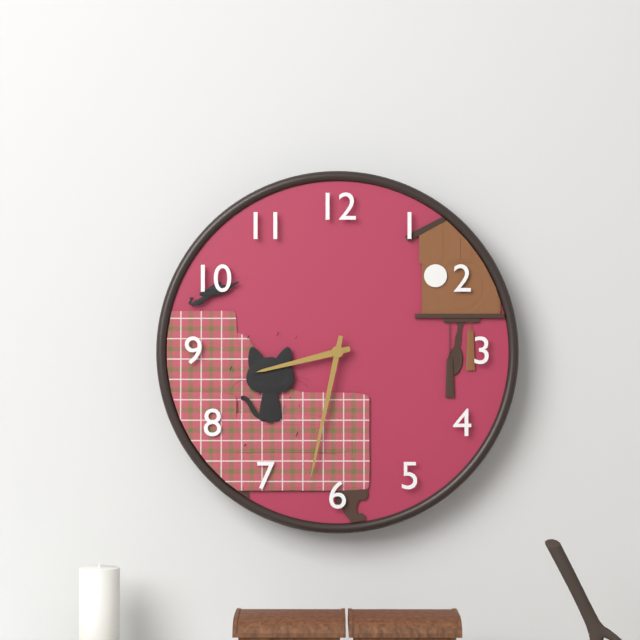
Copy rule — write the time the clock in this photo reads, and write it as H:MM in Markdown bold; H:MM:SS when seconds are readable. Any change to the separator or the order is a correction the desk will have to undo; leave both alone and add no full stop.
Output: **8:32**
